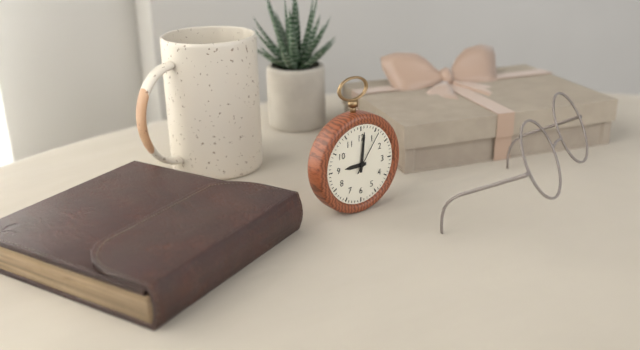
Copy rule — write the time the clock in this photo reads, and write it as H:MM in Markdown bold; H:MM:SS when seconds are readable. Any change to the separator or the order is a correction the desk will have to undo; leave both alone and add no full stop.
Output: **9:01**
